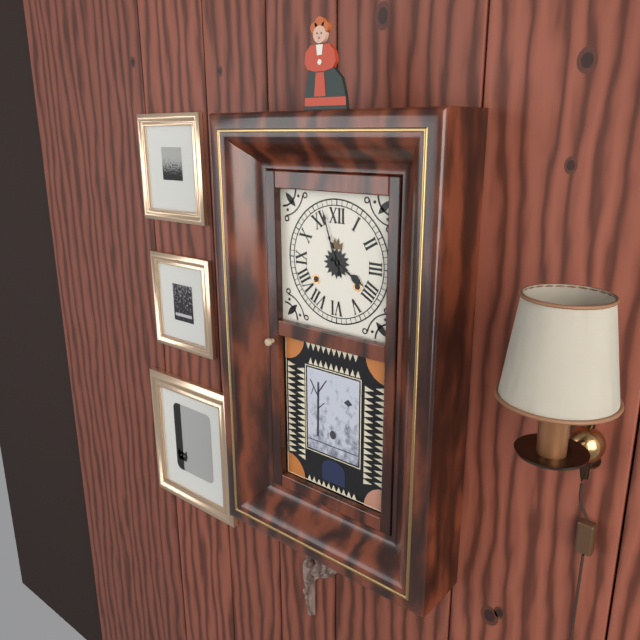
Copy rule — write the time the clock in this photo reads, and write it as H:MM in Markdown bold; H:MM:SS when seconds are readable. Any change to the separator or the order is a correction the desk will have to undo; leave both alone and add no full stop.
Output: **3:57**
